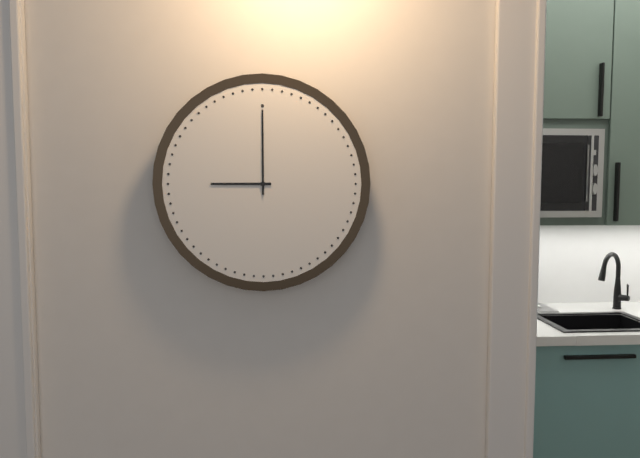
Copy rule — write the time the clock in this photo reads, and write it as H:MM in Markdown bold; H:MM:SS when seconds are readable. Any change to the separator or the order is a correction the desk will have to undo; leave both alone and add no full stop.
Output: **9:00**
